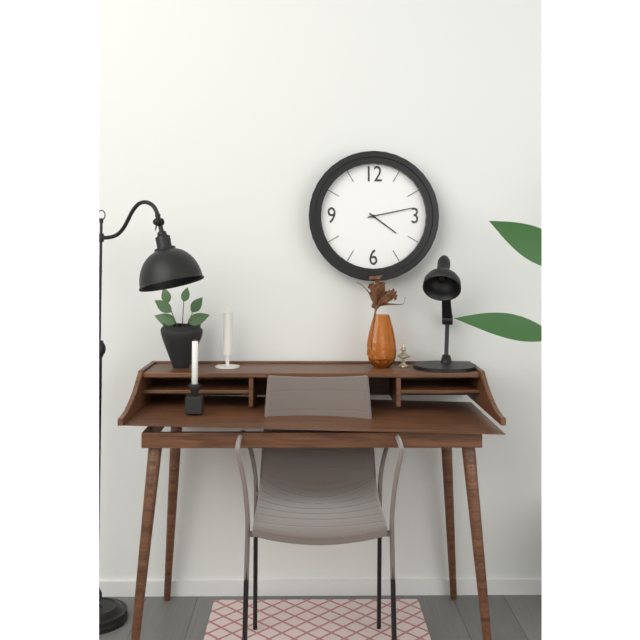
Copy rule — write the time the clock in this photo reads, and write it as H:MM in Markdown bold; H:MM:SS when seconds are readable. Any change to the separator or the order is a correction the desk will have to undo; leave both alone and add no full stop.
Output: **4:13**
